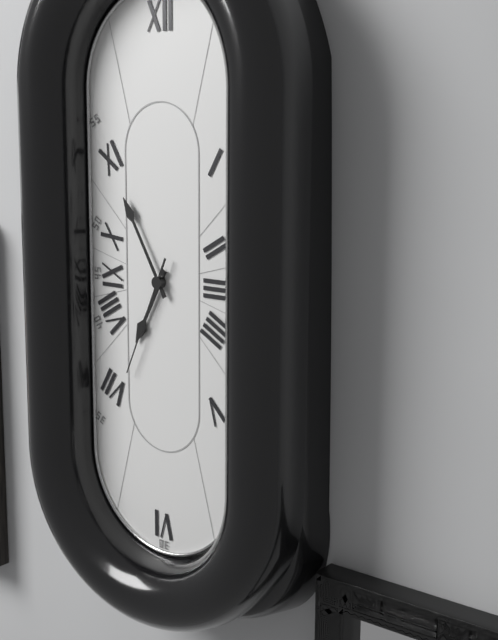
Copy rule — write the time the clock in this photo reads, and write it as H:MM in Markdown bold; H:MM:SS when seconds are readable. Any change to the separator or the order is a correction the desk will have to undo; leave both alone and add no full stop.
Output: **6:55:34**
